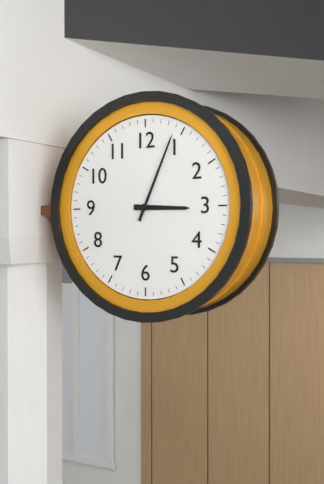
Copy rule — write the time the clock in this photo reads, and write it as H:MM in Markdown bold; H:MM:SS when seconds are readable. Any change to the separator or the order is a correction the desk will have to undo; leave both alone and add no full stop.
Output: **3:04**
